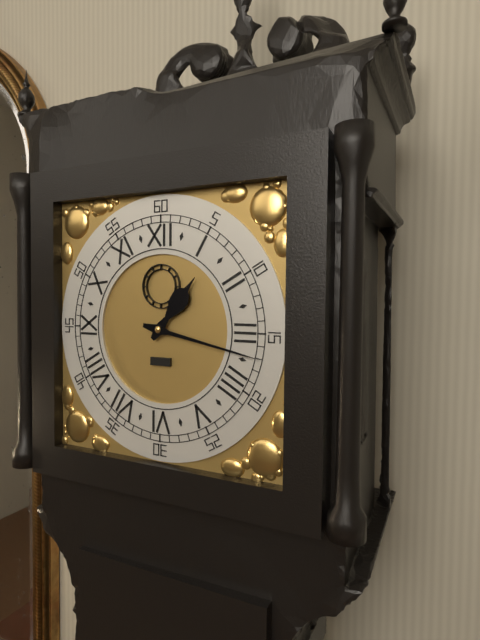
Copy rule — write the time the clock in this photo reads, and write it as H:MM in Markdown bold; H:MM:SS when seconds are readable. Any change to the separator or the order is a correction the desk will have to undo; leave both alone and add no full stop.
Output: **1:17**
